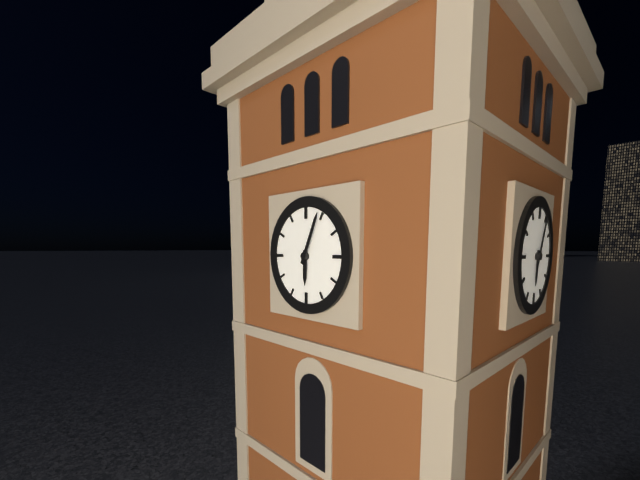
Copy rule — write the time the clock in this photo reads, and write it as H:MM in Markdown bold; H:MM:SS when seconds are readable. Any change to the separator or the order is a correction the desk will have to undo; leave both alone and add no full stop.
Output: **6:04**
